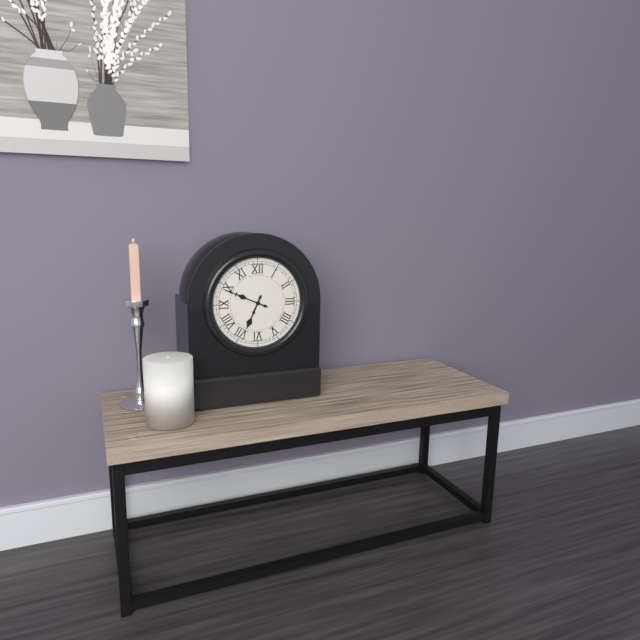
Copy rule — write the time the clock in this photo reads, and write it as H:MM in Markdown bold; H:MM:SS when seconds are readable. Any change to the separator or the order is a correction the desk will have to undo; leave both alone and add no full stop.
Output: **6:49**
